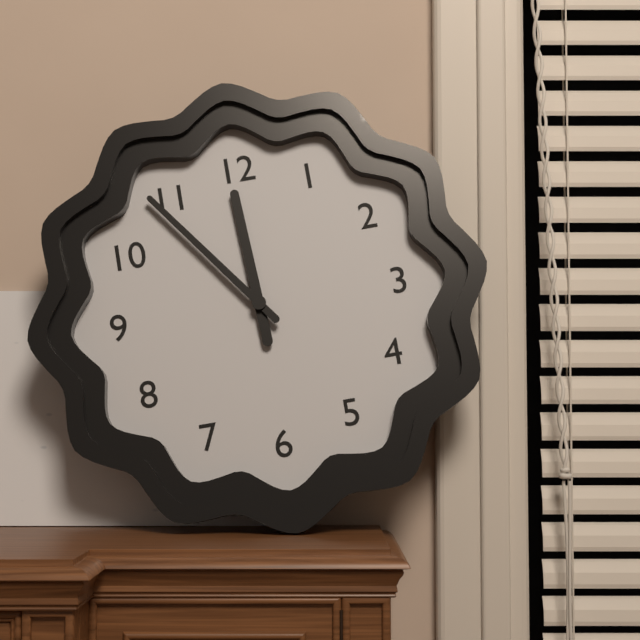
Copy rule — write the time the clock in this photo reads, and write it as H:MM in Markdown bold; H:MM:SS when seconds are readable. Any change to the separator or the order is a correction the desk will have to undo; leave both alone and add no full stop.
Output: **11:54**
